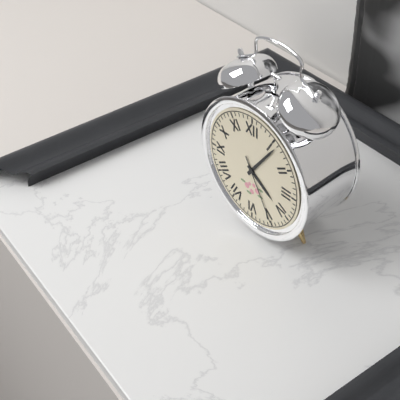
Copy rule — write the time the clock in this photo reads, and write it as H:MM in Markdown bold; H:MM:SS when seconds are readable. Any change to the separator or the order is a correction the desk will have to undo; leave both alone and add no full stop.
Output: **4:06:25**
